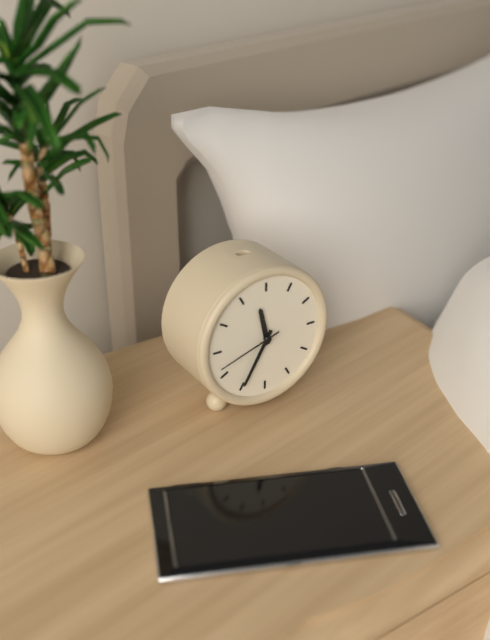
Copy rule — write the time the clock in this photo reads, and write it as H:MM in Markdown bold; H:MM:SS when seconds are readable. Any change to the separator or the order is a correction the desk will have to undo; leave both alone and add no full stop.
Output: **11:35:42**
